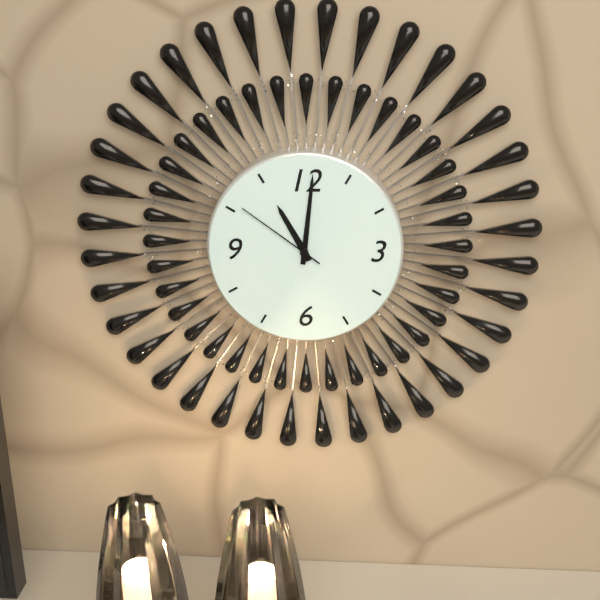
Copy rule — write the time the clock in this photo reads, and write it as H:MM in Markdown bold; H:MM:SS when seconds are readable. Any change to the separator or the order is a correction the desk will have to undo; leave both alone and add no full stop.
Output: **11:01:51**
